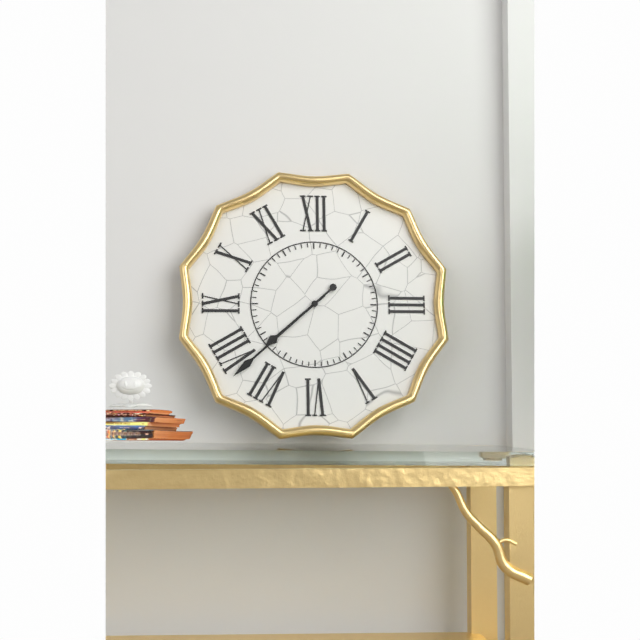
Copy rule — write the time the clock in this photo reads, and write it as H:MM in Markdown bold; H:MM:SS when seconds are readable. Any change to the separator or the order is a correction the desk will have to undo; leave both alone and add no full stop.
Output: **7:38**
